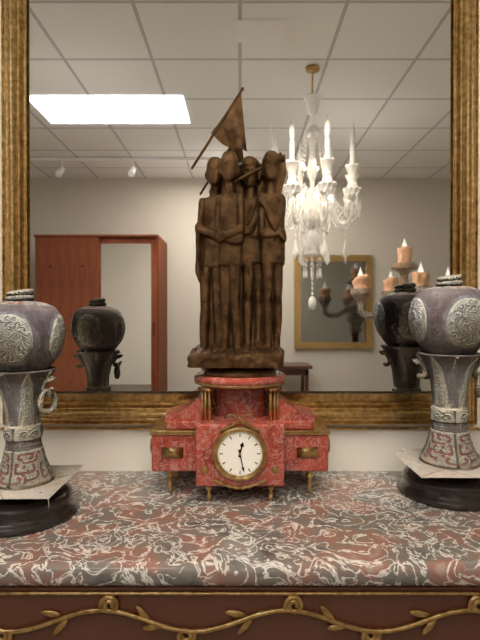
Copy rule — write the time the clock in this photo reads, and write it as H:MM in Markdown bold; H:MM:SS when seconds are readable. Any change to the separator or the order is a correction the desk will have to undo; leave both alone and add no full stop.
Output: **12:28**
